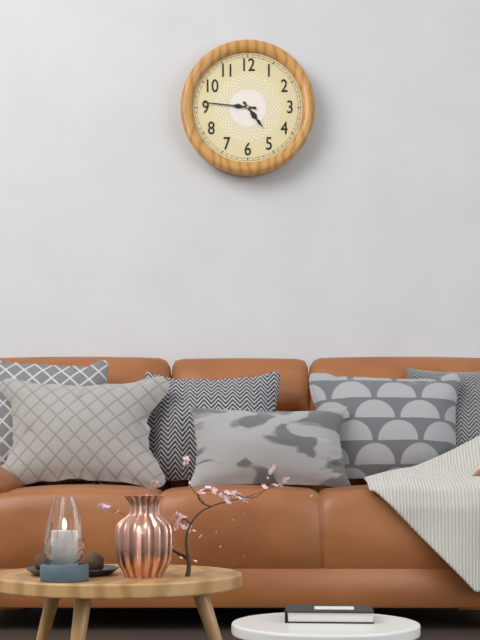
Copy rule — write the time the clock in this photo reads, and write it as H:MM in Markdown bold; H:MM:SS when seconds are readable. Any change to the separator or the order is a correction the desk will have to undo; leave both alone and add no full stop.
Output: **4:46**
